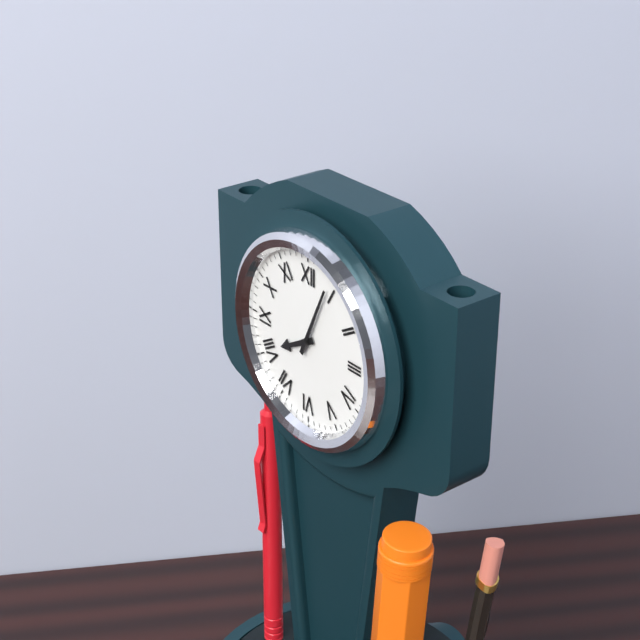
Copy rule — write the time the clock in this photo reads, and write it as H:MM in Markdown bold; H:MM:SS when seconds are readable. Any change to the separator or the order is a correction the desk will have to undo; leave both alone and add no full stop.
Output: **8:04**
